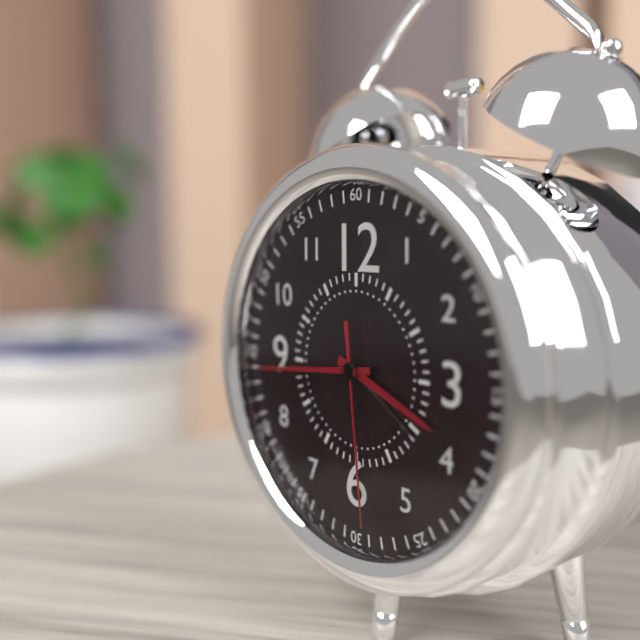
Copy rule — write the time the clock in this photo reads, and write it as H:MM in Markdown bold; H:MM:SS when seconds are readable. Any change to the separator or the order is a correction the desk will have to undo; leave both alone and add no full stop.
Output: **3:44:29**
